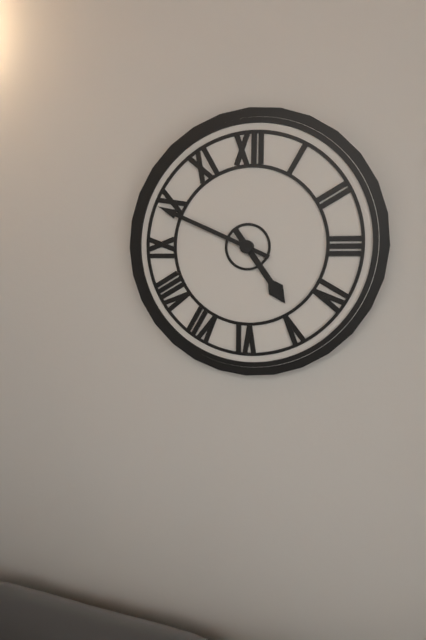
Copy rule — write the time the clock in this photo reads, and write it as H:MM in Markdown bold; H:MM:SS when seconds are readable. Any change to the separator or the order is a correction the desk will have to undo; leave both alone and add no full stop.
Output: **4:49**
